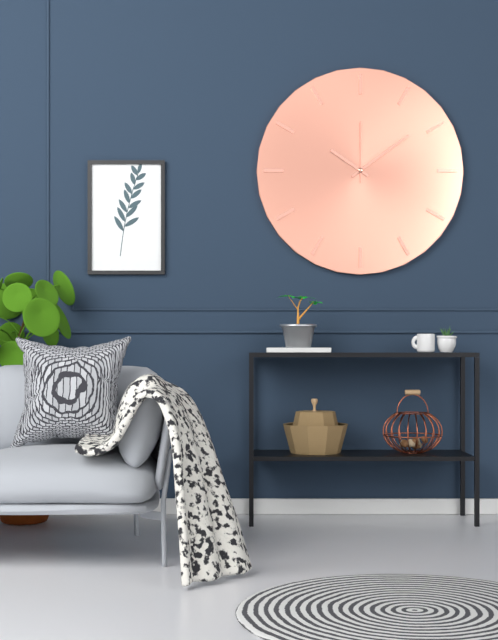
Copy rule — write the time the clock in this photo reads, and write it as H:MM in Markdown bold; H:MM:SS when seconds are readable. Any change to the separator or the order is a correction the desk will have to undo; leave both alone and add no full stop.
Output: **10:09:00**
